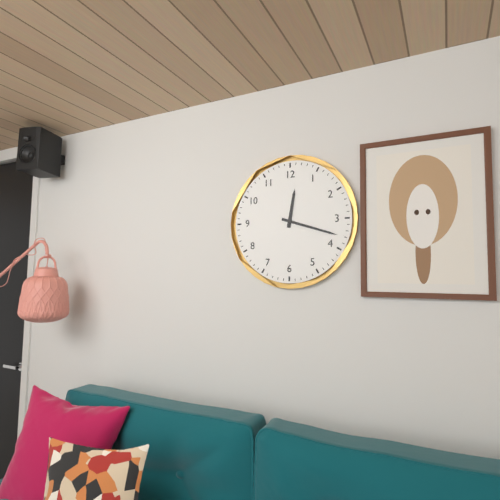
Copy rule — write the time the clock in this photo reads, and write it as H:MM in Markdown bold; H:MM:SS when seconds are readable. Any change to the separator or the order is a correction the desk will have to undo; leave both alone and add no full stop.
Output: **12:18**
